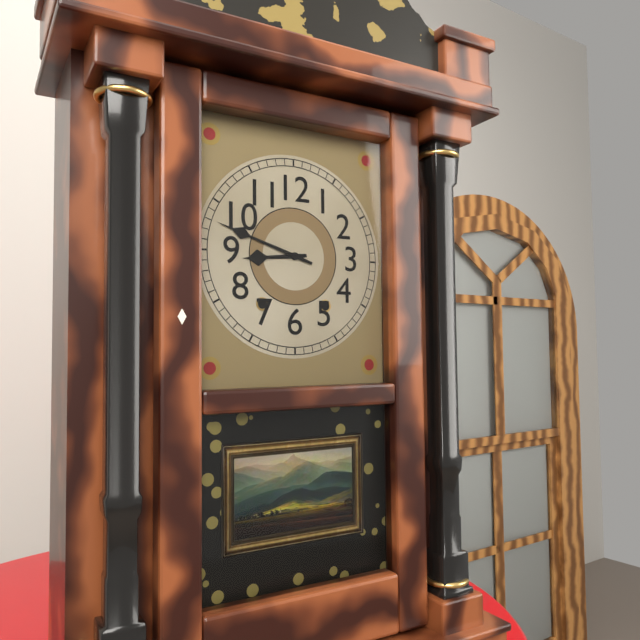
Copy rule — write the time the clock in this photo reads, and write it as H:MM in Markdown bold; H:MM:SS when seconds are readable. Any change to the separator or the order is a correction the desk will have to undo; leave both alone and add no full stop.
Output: **8:48**
